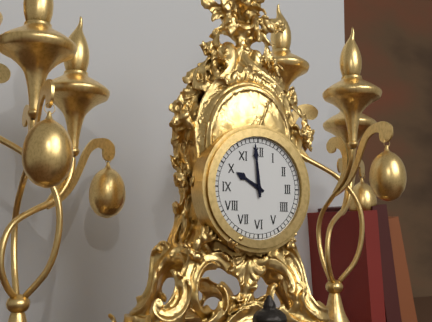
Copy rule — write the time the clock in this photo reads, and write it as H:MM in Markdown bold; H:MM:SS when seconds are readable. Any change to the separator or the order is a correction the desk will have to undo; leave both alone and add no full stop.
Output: **9:59**
